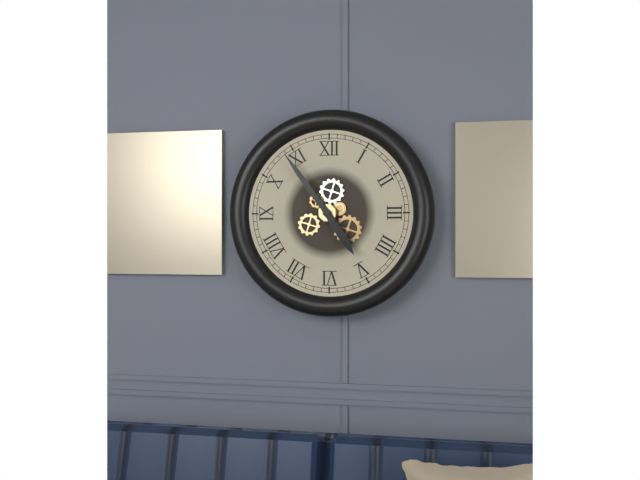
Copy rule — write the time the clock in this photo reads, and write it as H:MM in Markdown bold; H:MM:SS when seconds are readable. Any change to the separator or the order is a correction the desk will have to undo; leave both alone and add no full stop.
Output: **4:54**
